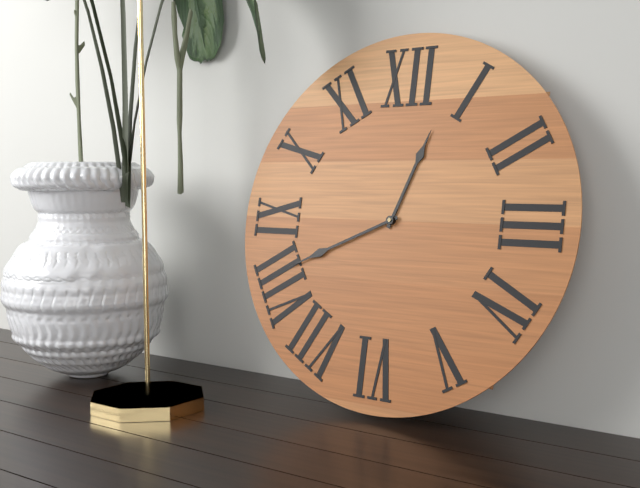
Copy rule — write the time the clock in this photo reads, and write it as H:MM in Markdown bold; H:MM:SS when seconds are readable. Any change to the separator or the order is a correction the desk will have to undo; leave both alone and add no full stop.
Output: **12:41**
